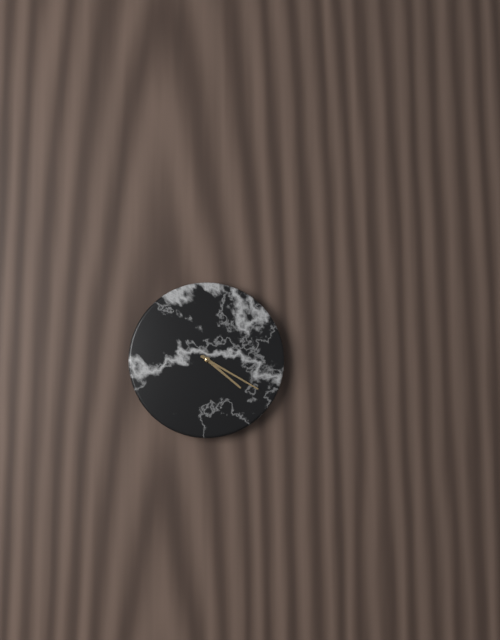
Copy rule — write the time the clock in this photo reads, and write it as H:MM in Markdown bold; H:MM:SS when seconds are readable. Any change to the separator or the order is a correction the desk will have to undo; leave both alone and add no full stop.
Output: **4:20**
